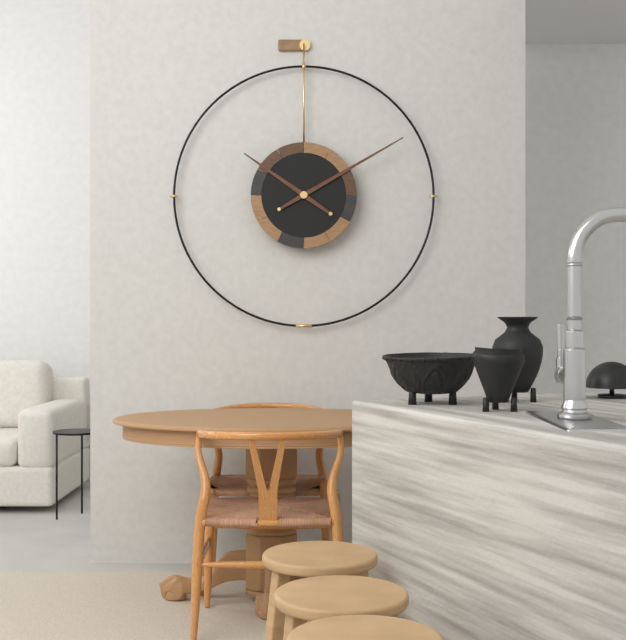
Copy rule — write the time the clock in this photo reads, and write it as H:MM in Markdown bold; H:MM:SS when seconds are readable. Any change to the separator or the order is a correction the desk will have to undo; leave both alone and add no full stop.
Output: **10:10**
